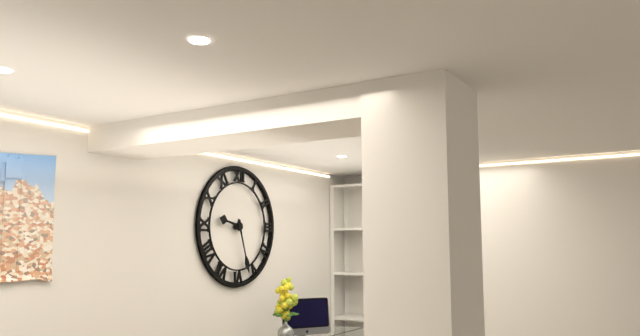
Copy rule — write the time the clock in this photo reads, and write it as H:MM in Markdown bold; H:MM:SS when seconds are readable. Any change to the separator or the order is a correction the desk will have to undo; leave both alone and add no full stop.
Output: **9:27**
